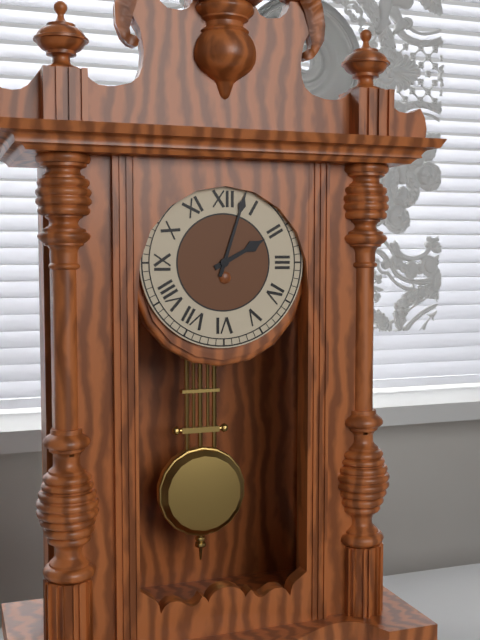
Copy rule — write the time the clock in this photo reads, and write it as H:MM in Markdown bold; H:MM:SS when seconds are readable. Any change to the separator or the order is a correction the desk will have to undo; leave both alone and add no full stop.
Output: **2:03**
